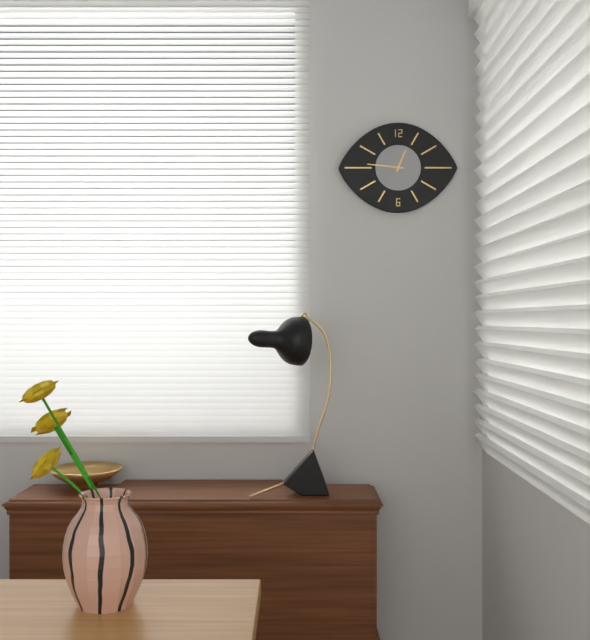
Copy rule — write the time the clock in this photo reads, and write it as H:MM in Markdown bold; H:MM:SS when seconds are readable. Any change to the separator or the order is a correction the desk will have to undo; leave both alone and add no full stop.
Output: **12:46**
